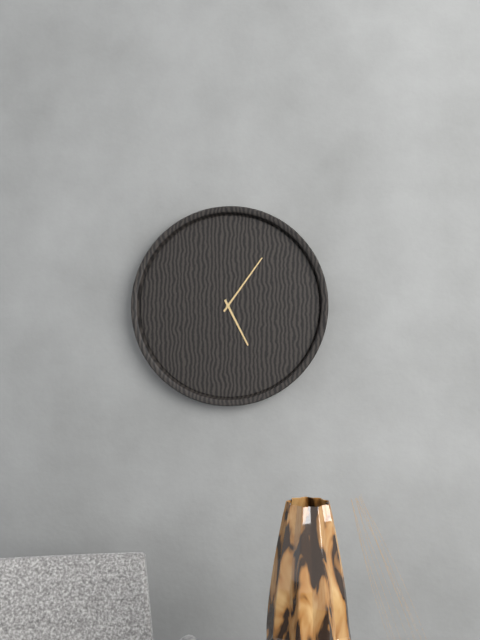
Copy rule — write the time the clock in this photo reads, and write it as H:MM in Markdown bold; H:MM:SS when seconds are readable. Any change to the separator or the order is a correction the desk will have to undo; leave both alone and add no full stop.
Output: **5:06**
